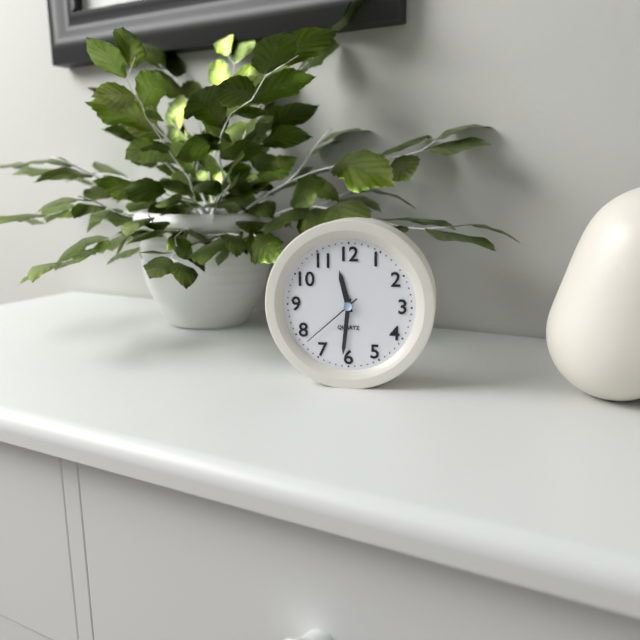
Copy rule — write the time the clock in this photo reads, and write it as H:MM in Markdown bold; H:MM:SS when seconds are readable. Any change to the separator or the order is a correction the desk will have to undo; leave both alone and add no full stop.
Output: **11:31:38**
